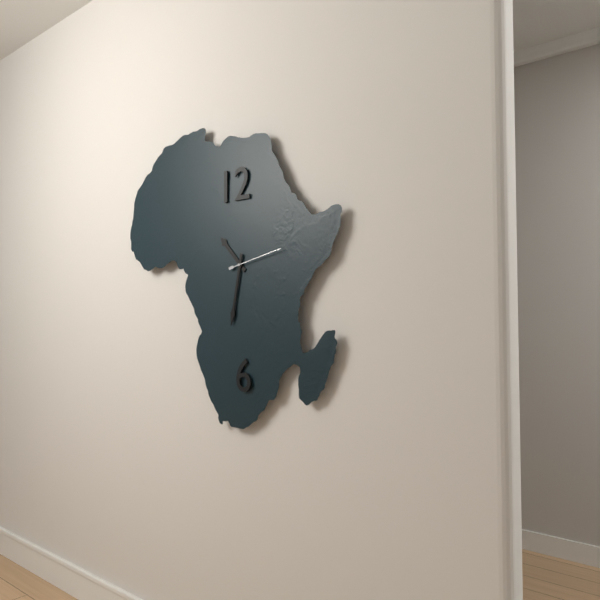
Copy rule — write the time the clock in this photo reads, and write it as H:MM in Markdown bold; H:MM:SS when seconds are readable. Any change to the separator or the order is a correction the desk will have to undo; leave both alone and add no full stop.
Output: **10:32**
